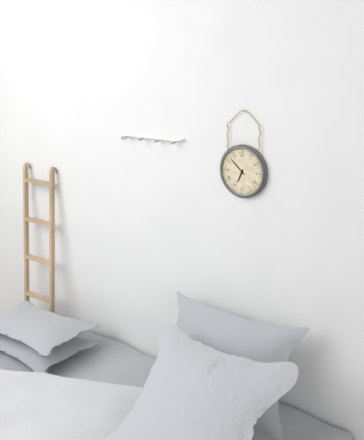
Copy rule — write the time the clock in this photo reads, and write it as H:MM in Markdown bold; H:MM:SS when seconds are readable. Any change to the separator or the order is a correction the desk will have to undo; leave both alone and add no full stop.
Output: **6:52**
